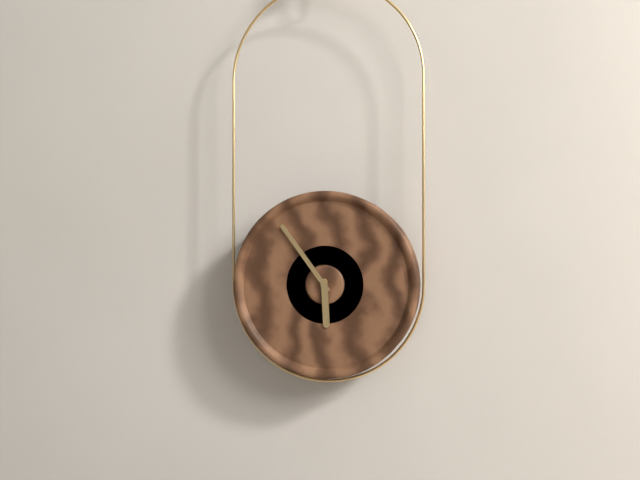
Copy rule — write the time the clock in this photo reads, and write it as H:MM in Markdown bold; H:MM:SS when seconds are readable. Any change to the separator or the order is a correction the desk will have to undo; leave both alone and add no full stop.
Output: **5:54**
